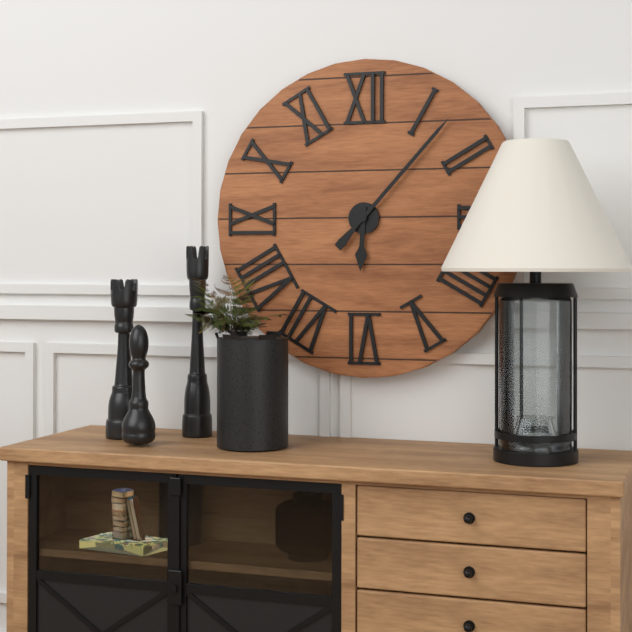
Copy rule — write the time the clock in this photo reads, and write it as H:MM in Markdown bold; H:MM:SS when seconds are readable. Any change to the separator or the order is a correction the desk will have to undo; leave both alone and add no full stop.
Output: **6:07**
